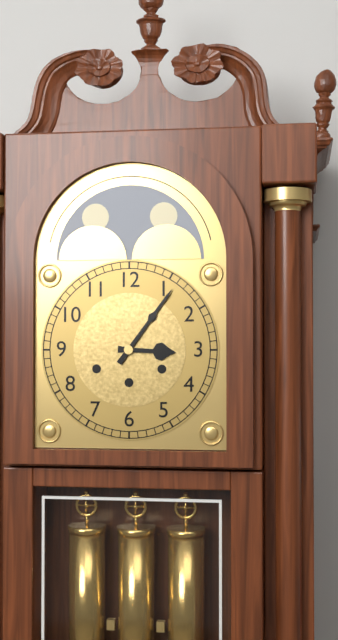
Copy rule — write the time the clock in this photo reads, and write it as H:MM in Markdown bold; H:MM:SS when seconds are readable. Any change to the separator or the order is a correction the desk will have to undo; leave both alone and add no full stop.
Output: **3:06**
